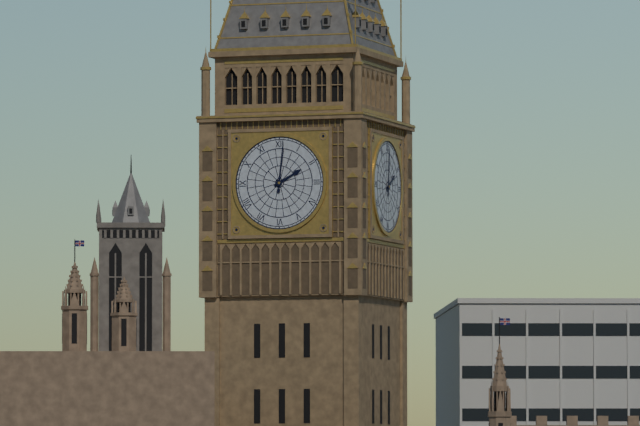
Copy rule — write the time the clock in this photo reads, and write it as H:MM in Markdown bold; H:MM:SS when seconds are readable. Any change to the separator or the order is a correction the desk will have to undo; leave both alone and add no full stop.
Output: **2:01**
